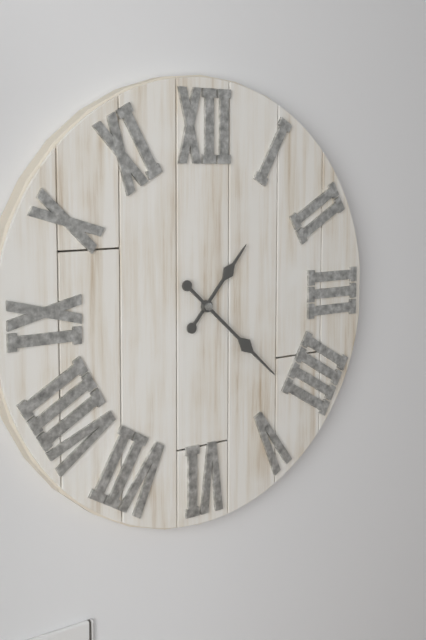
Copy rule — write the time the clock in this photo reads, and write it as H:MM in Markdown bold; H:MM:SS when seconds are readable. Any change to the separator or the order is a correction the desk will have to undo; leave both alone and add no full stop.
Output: **1:22**
